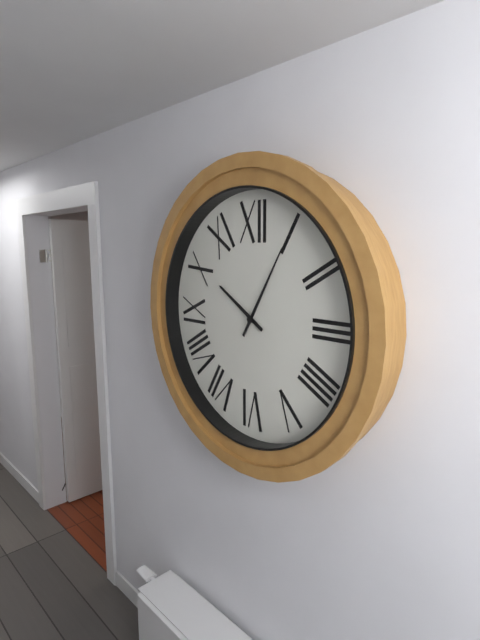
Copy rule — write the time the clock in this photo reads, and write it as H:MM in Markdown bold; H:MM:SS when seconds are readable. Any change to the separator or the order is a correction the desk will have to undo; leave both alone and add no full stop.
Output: **10:05**
